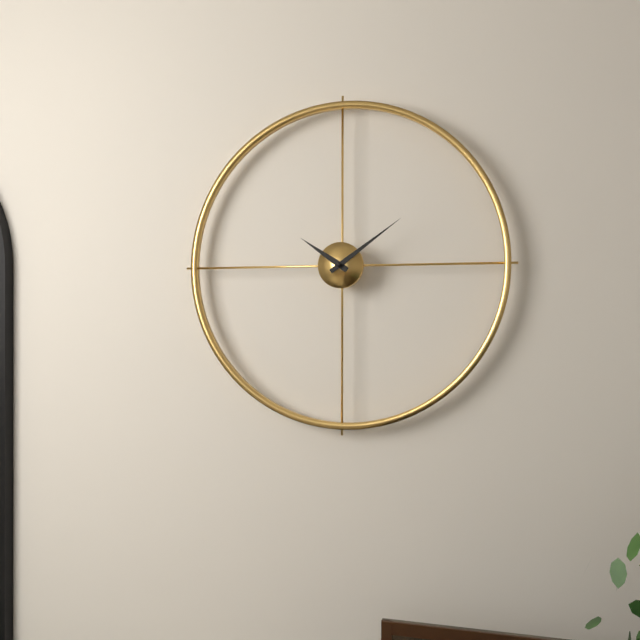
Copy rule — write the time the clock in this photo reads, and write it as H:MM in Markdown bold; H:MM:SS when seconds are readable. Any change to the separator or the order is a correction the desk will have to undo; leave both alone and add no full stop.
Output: **10:09**
